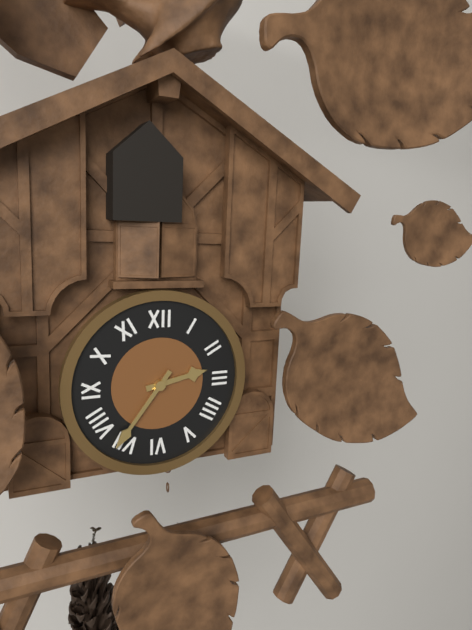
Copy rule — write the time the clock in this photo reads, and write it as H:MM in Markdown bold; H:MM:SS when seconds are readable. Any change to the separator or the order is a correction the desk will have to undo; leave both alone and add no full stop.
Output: **2:36**
